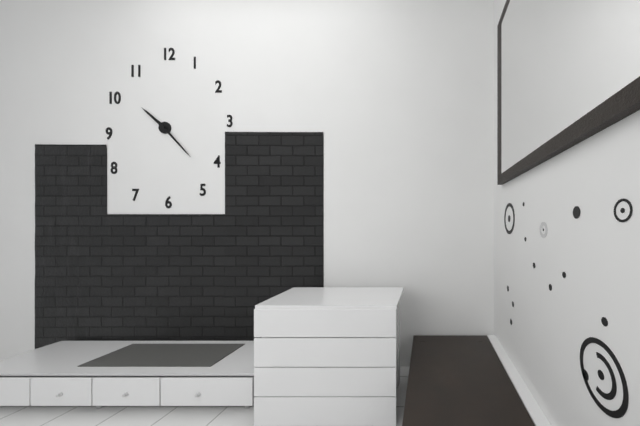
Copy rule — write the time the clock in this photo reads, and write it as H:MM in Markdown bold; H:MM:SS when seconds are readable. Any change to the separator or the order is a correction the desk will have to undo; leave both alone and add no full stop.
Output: **10:23**
